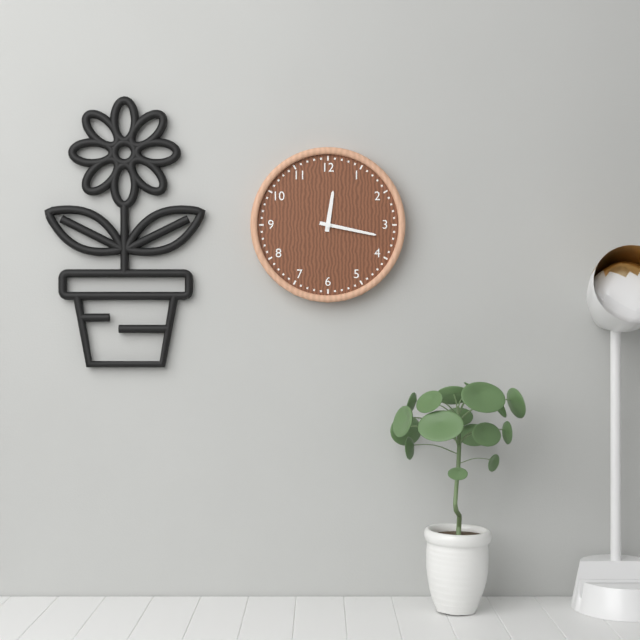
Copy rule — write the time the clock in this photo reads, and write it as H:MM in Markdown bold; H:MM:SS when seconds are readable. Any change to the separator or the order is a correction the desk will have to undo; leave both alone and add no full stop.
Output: **12:17**
